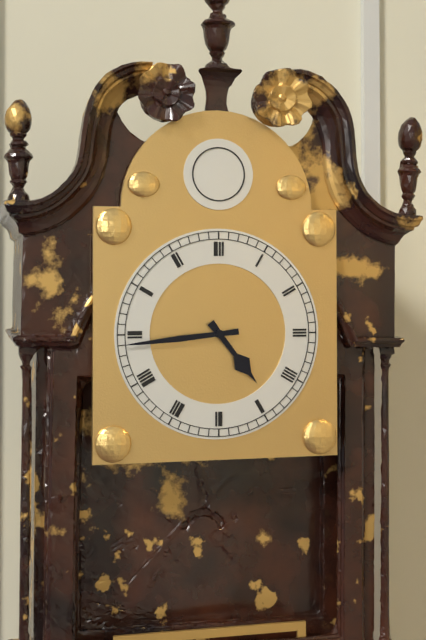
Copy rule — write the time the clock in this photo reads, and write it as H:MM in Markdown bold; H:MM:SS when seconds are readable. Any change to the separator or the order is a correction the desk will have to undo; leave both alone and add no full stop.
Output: **4:44**
